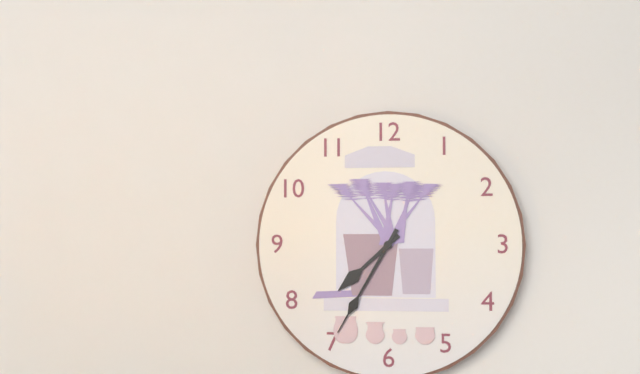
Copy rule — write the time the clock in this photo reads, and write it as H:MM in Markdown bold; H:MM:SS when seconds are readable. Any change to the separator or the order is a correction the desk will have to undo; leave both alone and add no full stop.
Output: **7:35**
